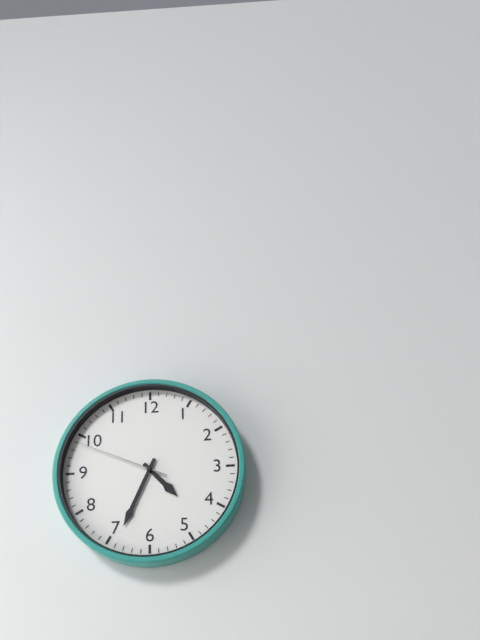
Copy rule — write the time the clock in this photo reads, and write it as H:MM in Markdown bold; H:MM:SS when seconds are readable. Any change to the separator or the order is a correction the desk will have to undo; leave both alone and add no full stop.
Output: **4:34:49**
